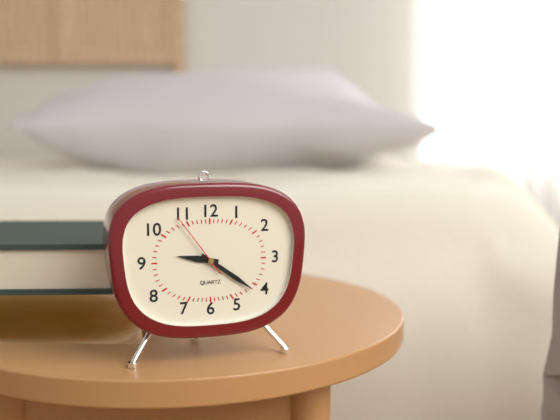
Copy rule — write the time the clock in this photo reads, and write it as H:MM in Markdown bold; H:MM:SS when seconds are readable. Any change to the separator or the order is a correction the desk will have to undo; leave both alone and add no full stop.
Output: **9:21:54**
